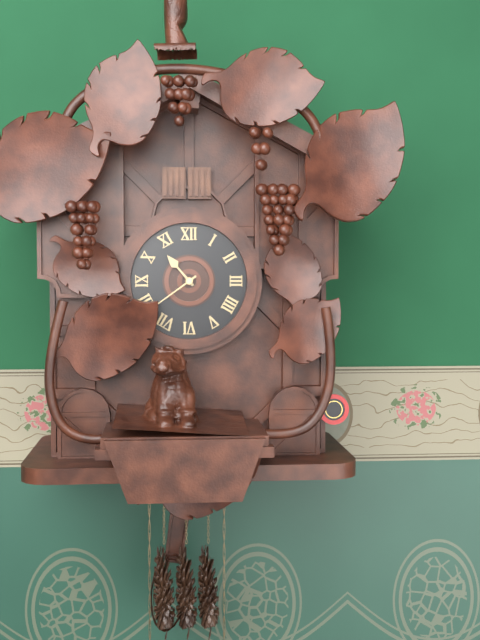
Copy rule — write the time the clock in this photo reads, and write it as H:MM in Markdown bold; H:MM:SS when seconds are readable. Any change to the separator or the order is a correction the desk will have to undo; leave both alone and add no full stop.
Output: **10:39**
